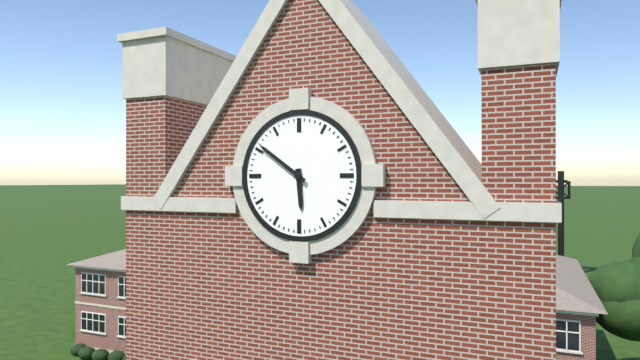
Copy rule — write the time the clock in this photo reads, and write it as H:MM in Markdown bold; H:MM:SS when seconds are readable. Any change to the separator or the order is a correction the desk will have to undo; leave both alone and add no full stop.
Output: **5:51**
